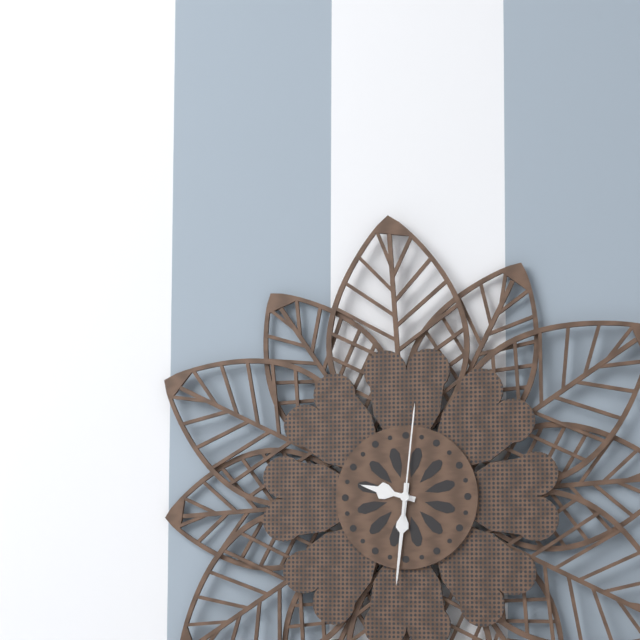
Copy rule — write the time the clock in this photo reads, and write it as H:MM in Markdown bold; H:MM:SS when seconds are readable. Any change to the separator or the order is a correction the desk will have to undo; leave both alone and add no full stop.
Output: **9:31:01**
